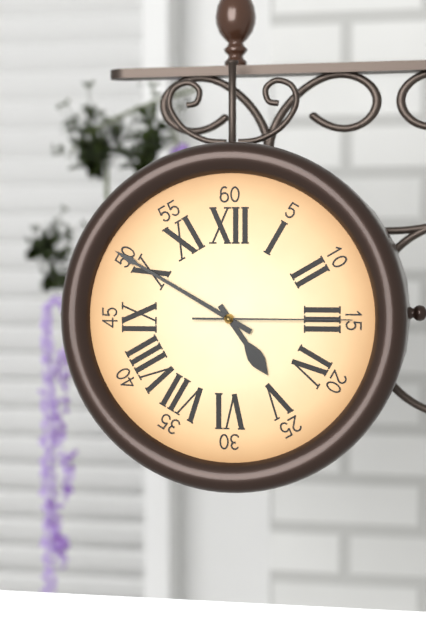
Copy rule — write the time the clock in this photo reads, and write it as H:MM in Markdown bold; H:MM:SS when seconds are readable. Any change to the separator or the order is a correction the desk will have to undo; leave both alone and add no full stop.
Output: **4:50:15**
